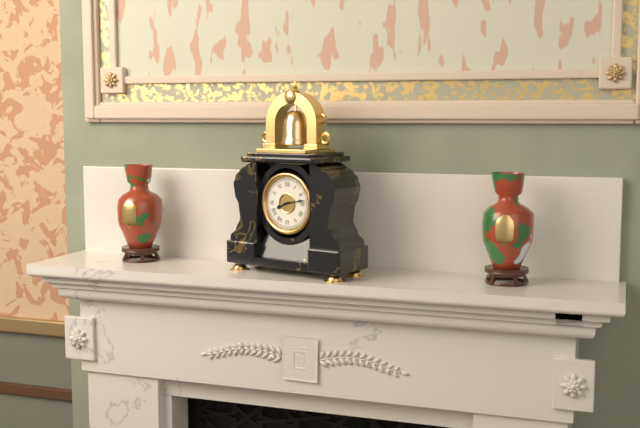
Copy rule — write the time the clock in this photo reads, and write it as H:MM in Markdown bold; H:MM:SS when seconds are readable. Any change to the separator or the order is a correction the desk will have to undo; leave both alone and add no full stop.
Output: **8:13**
